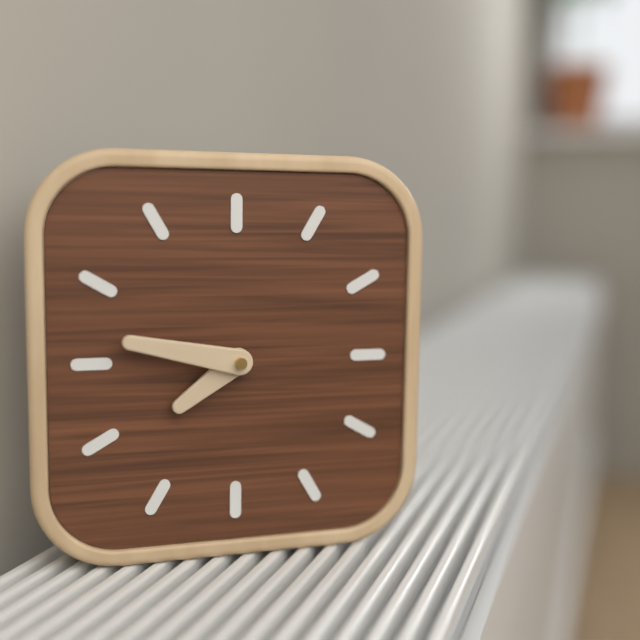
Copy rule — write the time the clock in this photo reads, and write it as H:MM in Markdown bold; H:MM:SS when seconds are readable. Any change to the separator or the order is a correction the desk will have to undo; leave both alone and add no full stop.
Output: **7:47**
